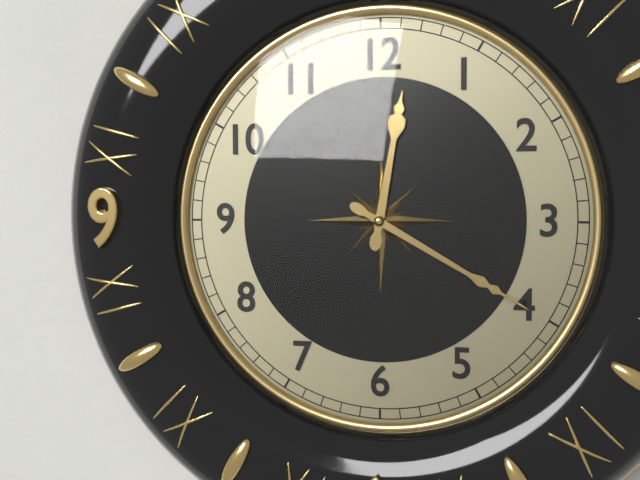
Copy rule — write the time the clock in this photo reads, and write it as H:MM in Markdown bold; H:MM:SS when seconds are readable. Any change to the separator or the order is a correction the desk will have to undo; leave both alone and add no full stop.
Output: **12:20**
